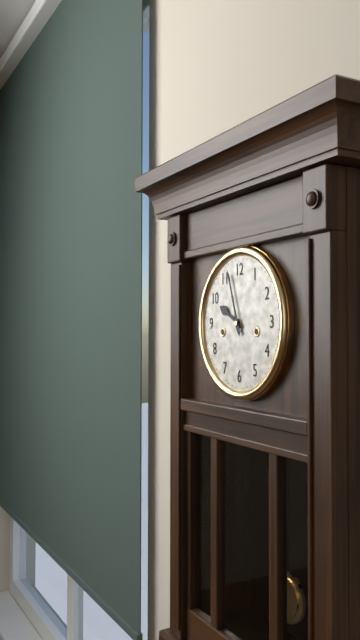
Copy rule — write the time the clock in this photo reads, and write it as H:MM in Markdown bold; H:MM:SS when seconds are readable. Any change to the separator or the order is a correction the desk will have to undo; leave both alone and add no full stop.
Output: **9:57**
